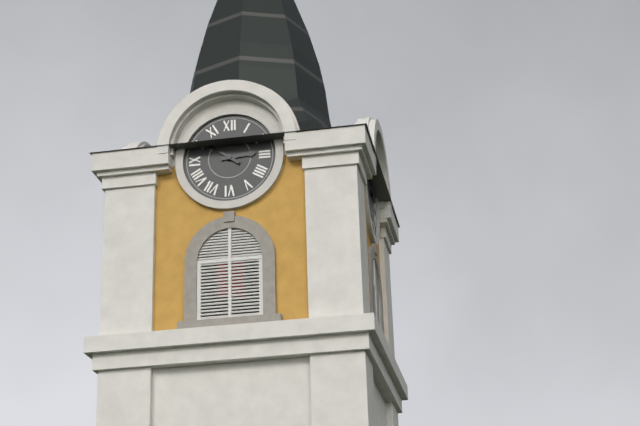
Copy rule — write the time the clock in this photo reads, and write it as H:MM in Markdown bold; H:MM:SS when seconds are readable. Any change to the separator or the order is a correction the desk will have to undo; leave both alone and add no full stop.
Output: **2:51**
